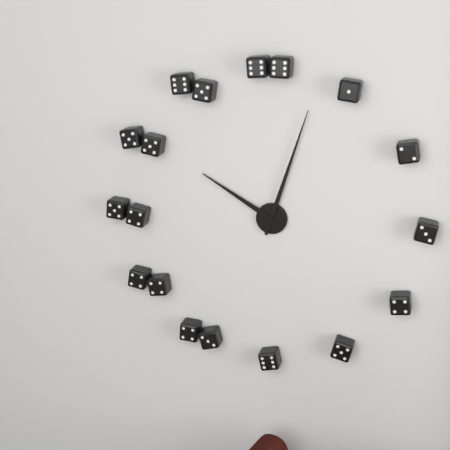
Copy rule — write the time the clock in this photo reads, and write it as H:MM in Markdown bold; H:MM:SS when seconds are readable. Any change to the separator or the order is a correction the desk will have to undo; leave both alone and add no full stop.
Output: **10:03**
